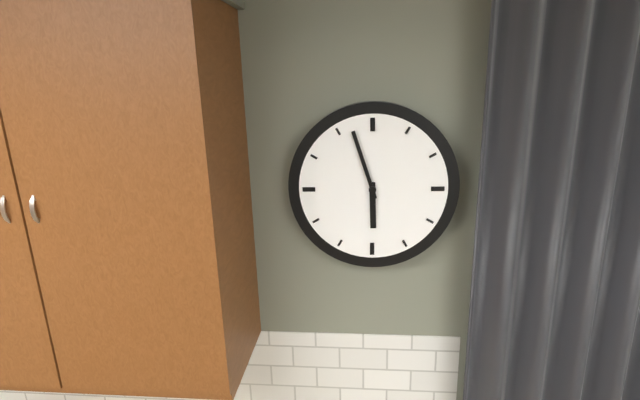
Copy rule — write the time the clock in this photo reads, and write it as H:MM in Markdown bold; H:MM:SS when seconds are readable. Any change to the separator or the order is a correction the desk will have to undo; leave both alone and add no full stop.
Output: **5:57**
